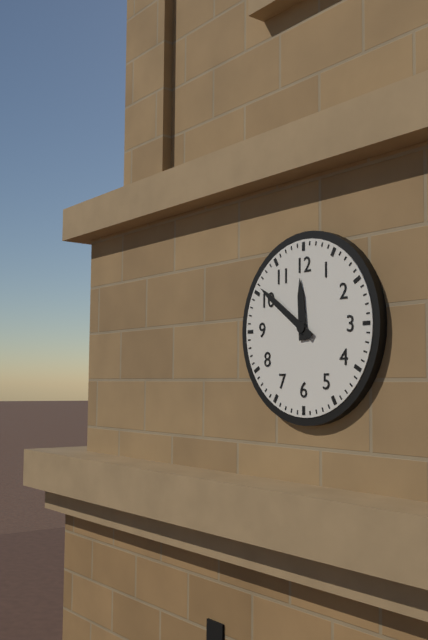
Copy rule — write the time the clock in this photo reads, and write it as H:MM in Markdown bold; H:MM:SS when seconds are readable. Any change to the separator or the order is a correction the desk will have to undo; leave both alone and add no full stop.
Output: **11:51**
